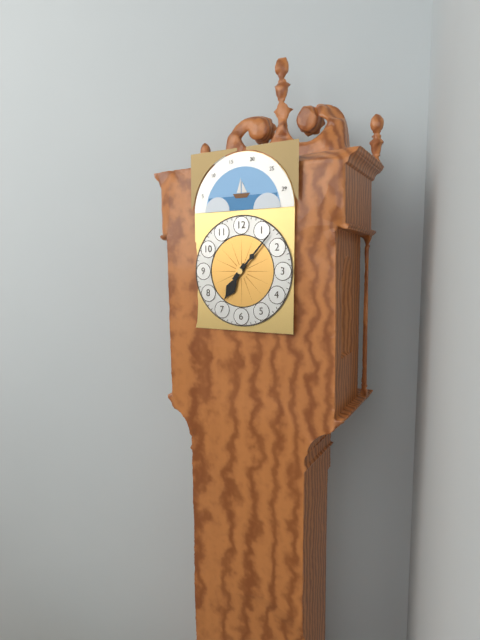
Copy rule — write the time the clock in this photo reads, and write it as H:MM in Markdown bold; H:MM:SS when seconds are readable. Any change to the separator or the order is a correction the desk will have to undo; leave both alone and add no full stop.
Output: **7:07**
